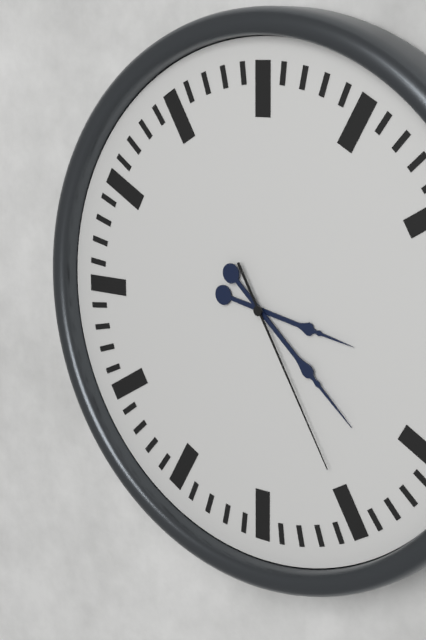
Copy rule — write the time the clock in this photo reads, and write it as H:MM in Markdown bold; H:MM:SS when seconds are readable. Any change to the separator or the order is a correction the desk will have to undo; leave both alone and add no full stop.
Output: **3:22:25**
